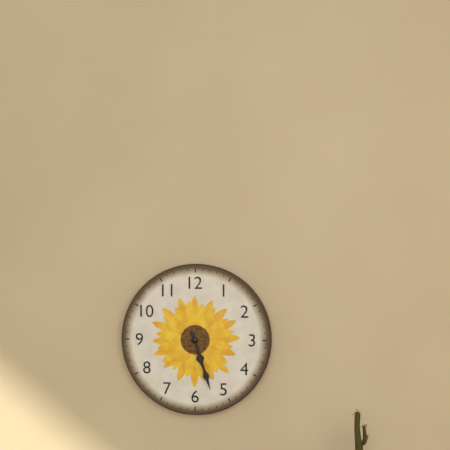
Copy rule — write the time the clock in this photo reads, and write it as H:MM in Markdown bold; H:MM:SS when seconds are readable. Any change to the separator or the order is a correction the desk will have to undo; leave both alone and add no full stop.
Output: **5:27**
